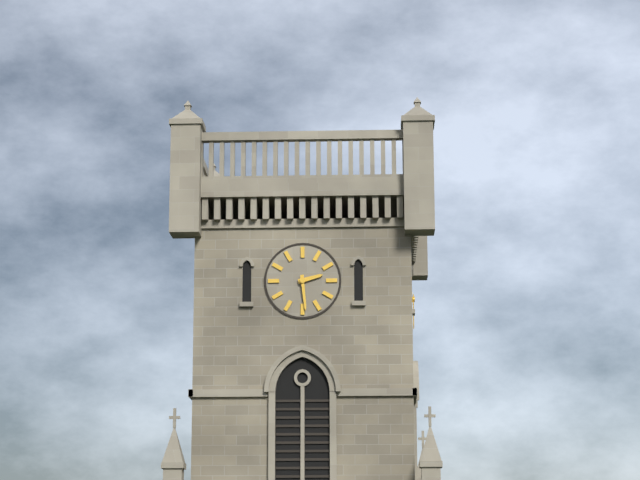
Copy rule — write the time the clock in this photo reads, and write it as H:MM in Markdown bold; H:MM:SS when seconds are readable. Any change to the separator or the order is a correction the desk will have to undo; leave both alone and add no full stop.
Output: **2:29**
